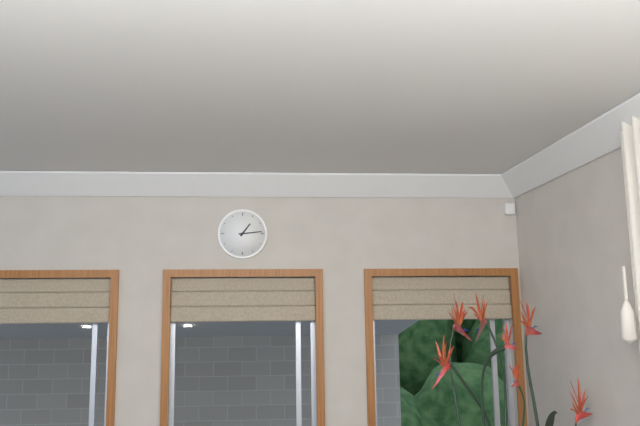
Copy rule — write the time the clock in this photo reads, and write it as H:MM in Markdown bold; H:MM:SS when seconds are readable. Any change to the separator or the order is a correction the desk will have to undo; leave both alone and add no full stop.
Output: **1:14**
